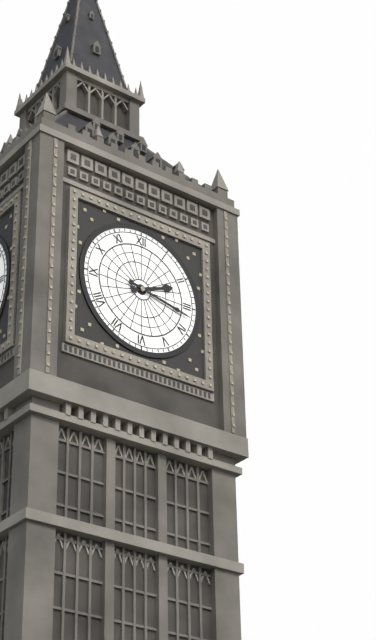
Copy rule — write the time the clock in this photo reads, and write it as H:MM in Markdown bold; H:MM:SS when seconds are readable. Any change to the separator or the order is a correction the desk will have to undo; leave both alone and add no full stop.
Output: **2:17**
